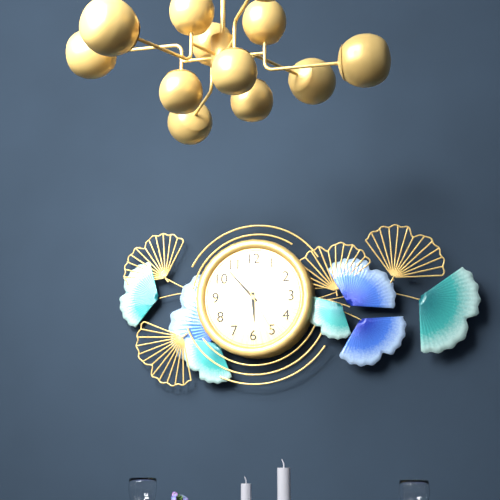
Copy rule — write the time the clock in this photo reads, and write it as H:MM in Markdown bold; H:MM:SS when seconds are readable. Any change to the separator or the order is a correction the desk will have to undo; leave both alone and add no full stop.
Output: **5:53:25**
